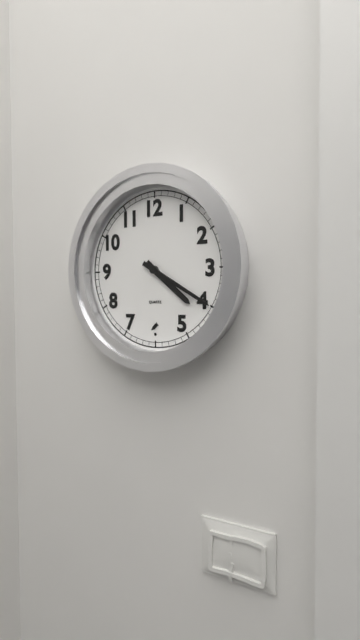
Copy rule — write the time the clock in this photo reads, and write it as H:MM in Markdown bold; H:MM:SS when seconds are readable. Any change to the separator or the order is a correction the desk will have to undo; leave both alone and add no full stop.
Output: **4:20**
